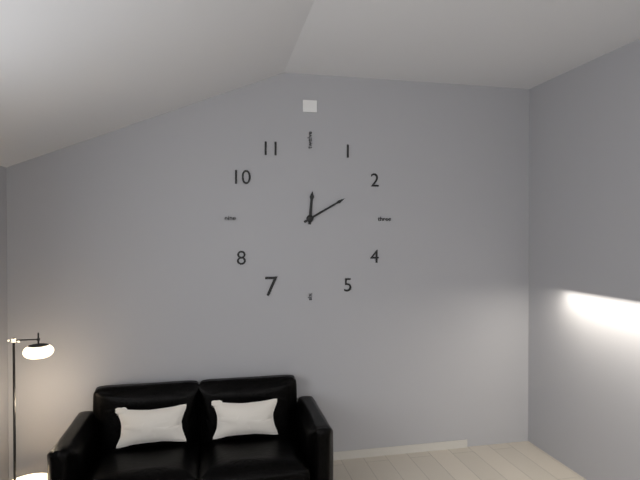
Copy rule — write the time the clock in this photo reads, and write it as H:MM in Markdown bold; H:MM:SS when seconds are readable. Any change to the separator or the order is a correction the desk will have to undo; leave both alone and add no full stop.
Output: **12:10**
